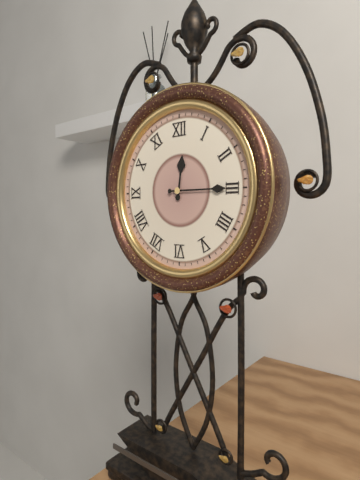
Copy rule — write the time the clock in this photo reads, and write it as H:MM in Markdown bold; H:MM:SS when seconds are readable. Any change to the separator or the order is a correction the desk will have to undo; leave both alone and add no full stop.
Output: **12:15**
